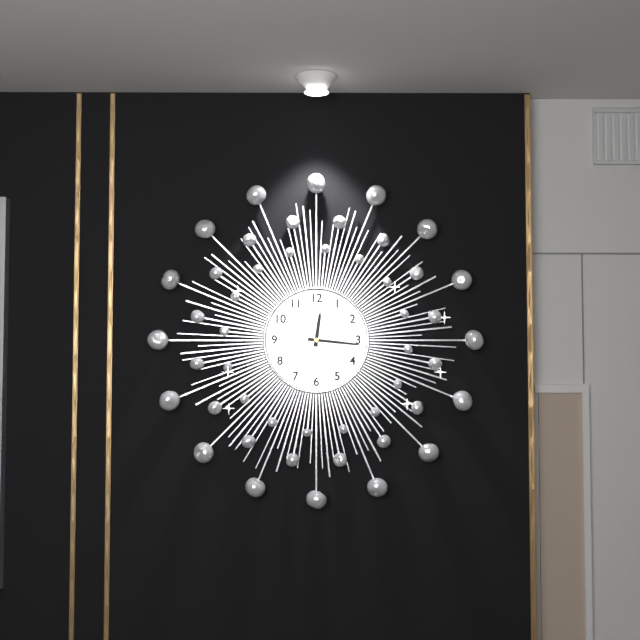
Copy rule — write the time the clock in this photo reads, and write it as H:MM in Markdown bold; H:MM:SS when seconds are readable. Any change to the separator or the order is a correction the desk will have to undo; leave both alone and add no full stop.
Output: **12:16**
